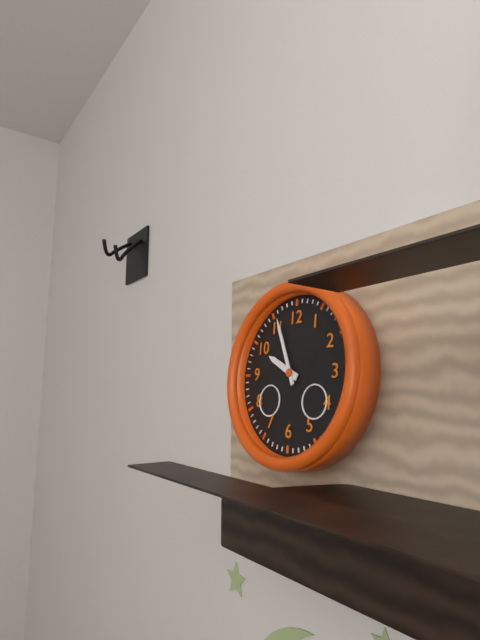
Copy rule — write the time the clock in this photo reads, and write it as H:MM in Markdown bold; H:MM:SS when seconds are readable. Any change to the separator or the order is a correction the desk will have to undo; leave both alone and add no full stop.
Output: **9:56**
